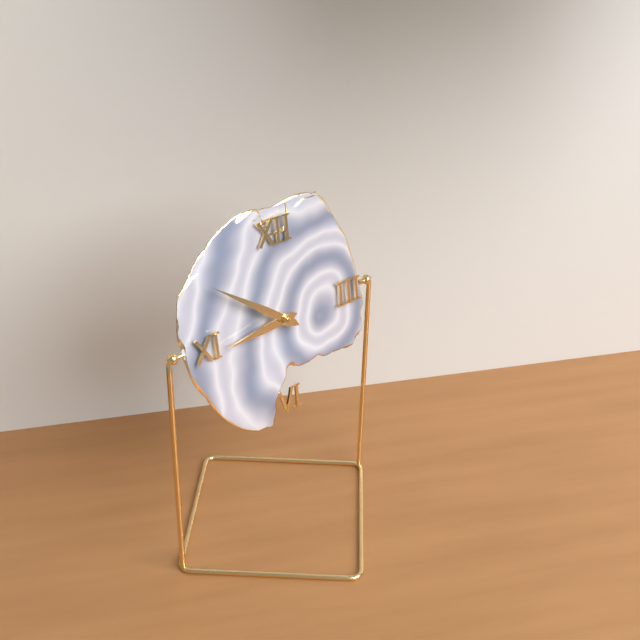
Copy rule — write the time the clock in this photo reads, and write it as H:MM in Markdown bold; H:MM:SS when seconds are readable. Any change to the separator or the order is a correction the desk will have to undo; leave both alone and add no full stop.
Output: **8:51**
